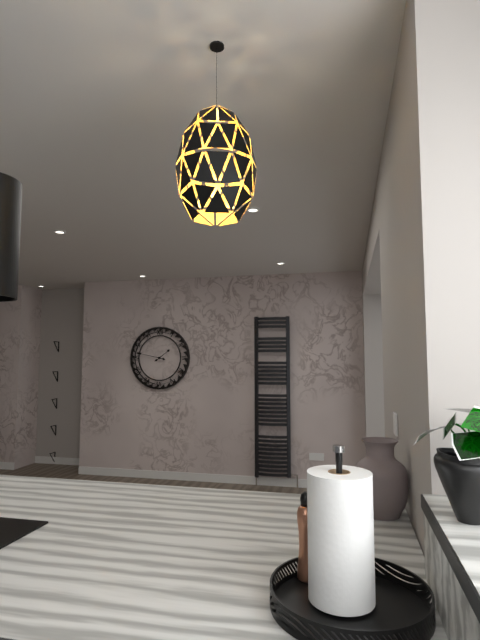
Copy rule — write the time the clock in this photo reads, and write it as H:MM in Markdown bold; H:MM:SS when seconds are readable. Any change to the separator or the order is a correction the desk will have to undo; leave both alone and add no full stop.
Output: **1:47**
